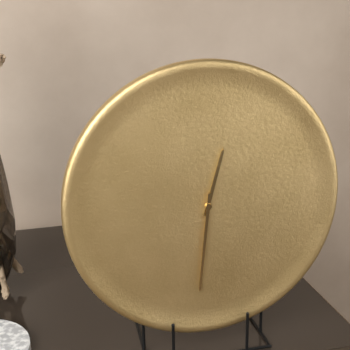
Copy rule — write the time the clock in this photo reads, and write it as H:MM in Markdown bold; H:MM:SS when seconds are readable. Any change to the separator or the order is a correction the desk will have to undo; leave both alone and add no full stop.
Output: **12:31**
